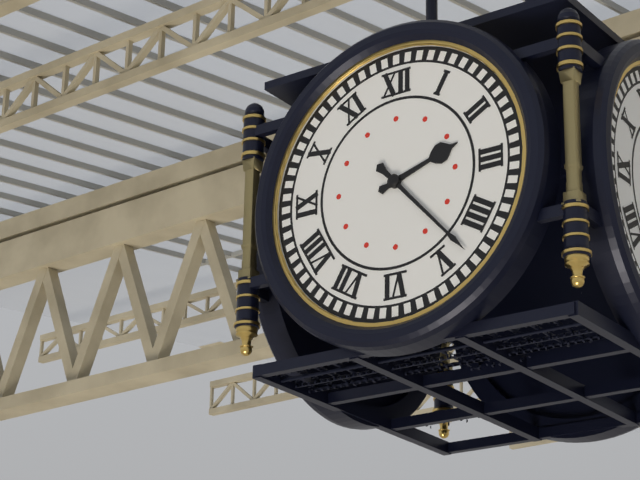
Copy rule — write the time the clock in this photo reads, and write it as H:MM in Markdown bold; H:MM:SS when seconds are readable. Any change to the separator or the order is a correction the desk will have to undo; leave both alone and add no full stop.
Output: **2:23**
